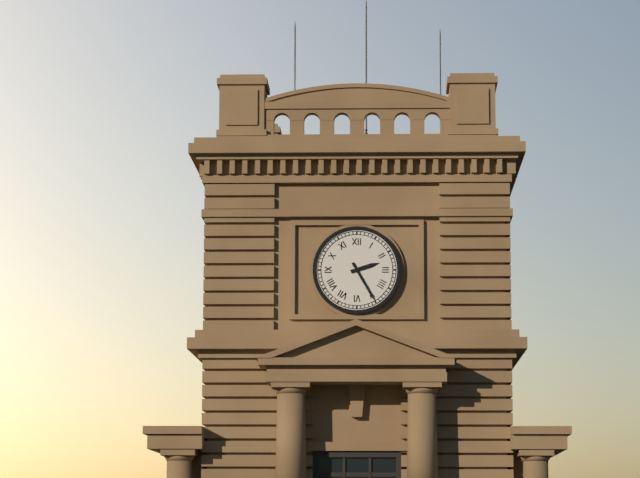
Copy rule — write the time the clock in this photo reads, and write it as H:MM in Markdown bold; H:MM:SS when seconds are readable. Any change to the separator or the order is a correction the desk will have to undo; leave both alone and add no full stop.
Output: **2:25**
